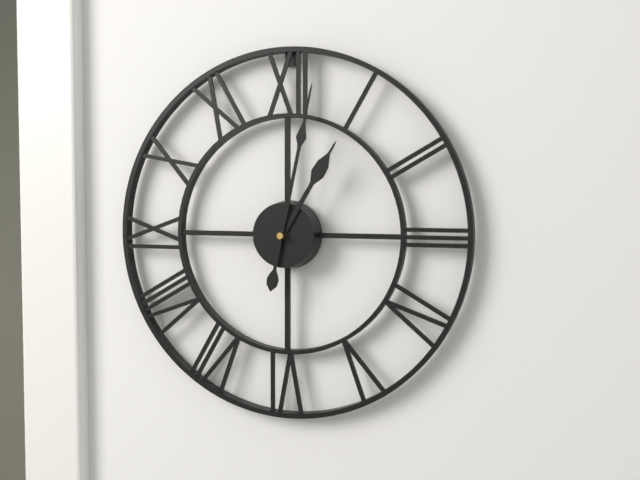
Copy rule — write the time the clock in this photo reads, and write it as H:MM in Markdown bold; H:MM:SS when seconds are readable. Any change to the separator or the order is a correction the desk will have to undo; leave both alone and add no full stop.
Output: **1:02**
